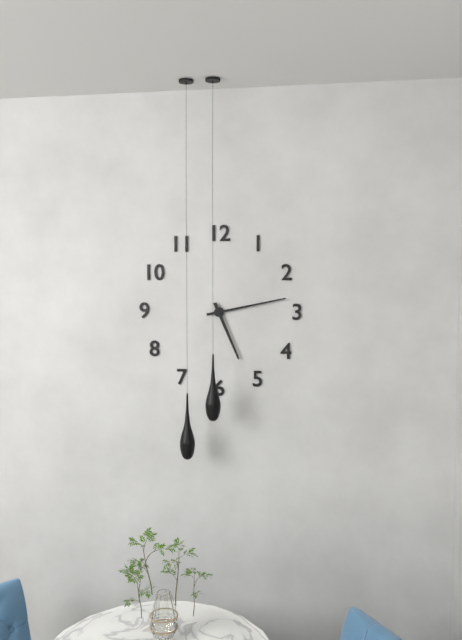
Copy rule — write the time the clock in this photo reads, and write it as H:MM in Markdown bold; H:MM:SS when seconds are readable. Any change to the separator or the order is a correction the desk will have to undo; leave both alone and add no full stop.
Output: **5:13**
